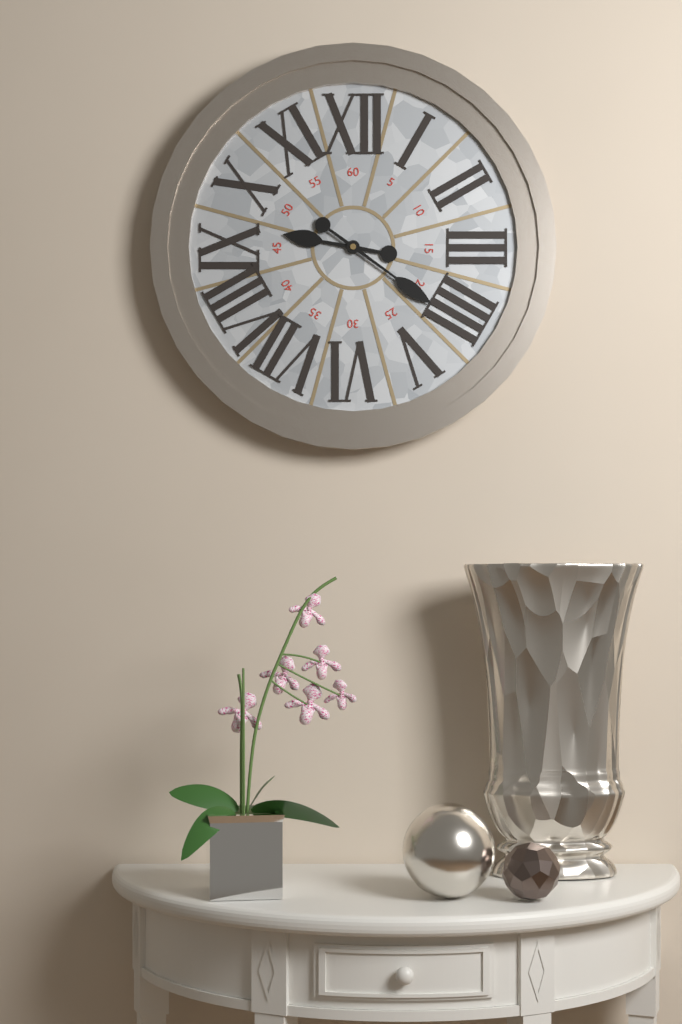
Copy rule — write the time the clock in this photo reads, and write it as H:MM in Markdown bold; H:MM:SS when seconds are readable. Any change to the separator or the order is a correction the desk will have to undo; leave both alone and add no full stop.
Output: **9:21**
